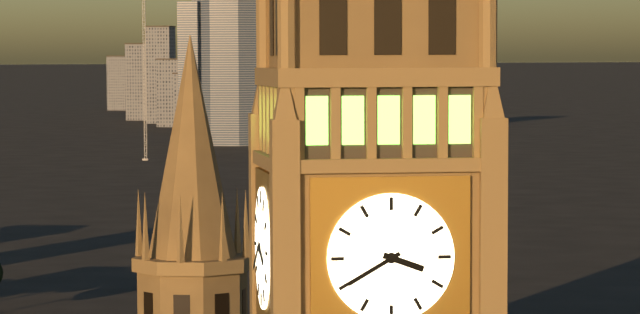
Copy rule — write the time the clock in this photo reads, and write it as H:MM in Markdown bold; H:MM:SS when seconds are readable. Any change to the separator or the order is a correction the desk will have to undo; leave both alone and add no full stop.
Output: **3:40**
